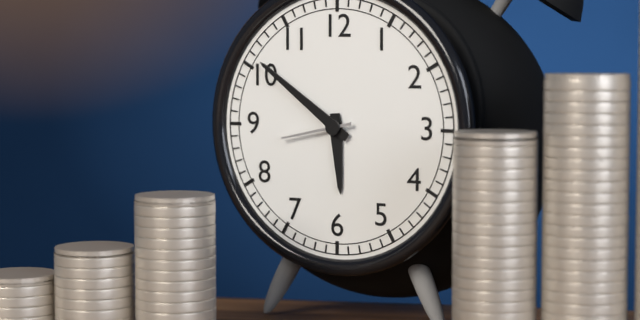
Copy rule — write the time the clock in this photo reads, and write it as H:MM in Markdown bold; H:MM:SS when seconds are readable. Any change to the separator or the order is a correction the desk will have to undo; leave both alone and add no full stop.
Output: **5:51:43**
